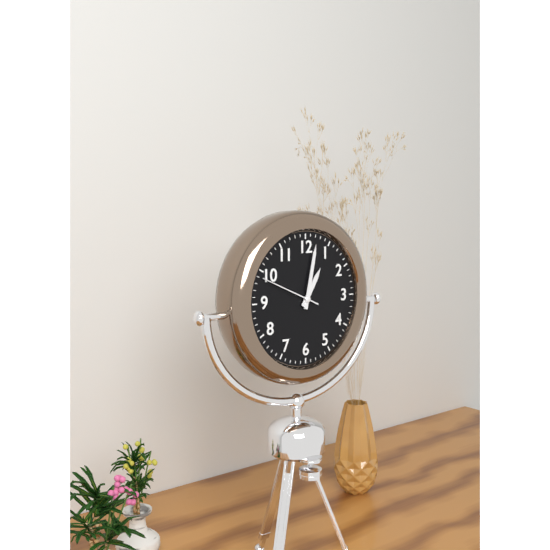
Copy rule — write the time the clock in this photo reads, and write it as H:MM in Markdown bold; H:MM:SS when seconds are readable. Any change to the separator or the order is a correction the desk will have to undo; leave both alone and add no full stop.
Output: **1:02:49**
